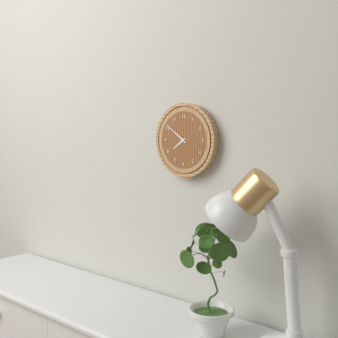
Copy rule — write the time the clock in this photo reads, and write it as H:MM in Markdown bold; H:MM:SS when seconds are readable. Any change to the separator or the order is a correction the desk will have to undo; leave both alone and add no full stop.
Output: **7:51**
